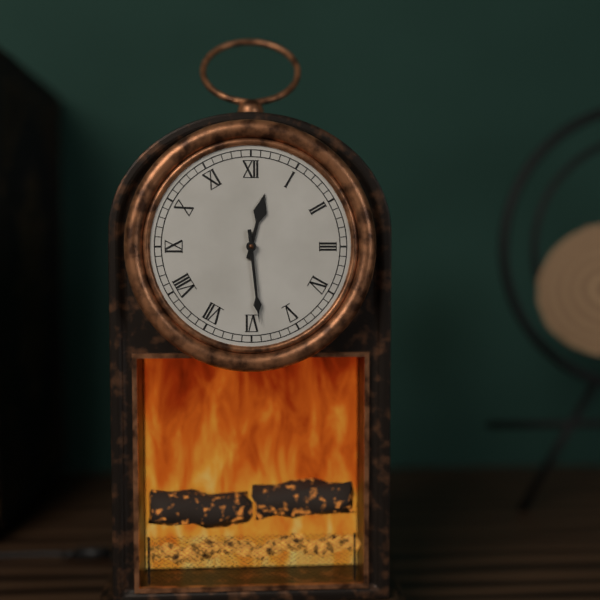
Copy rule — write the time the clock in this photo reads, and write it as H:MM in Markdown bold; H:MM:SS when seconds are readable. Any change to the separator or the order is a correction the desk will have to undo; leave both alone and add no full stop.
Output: **12:29**
